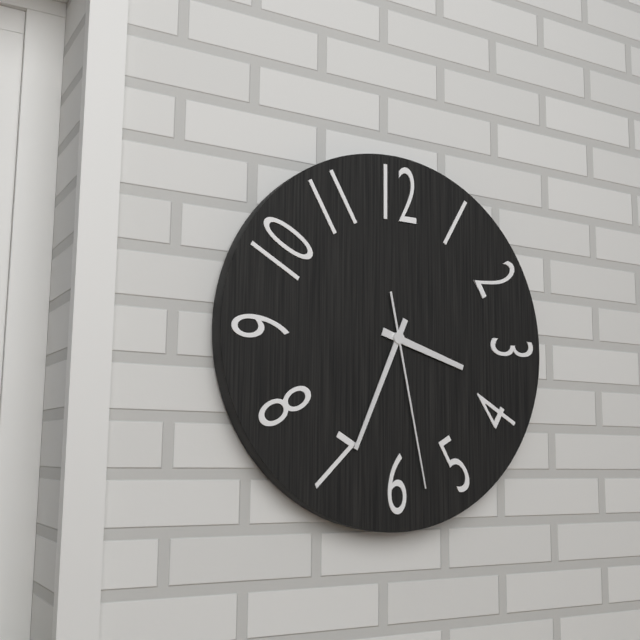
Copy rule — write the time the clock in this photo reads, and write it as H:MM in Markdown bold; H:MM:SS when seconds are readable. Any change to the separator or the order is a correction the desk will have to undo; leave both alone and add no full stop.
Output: **3:34:28**
